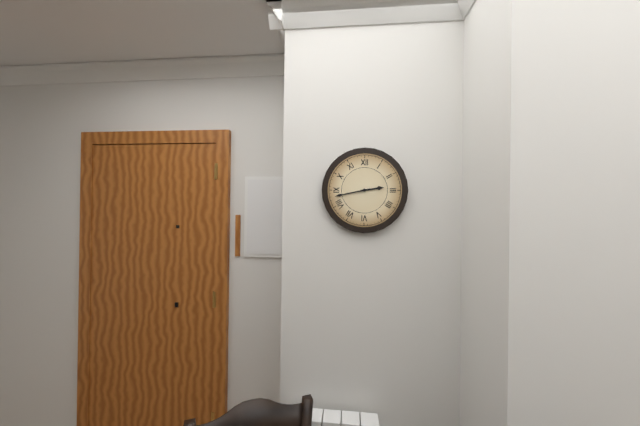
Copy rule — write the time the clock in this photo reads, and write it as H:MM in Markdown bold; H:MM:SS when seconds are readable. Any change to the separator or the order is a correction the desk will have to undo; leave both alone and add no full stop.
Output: **2:43**
